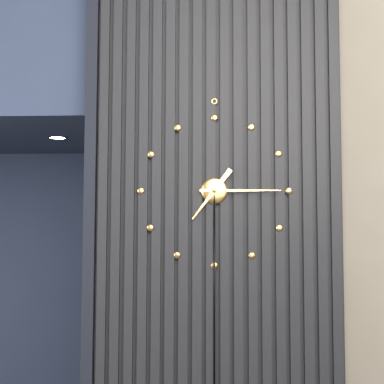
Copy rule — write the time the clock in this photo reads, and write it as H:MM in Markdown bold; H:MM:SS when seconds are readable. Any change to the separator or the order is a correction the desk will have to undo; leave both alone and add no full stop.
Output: **7:15**
